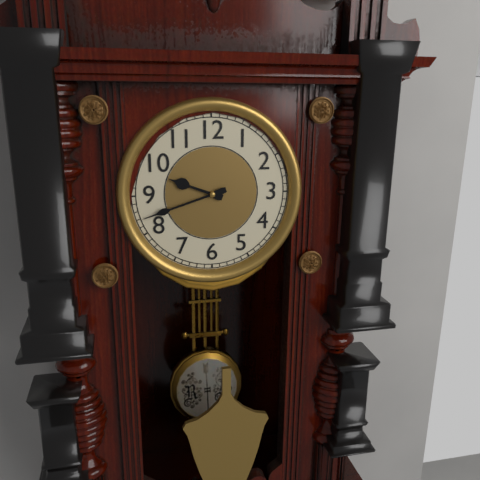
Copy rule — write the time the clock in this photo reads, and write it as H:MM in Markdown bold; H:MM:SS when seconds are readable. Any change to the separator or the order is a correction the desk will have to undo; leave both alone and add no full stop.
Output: **9:42**
